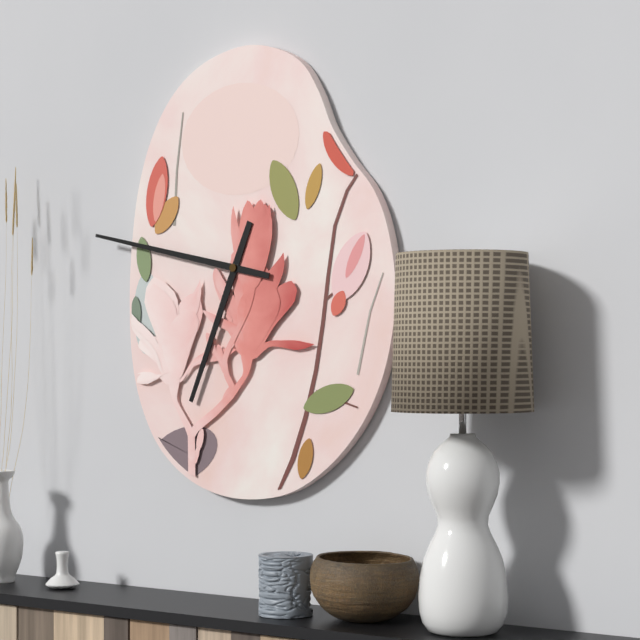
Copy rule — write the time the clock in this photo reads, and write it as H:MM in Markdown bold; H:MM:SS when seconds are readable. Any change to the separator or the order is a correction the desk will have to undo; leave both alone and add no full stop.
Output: **6:47**
